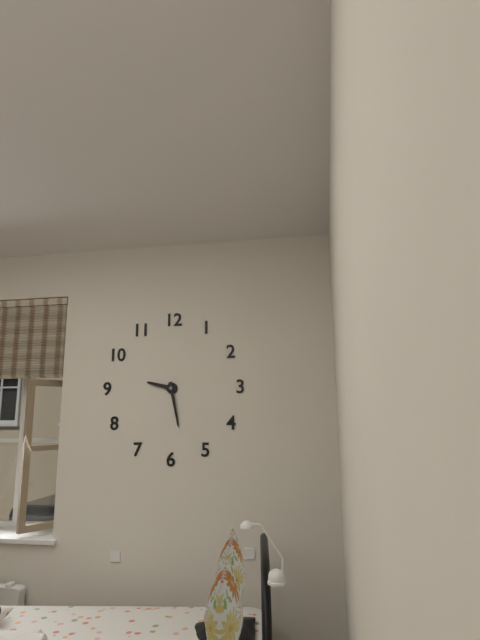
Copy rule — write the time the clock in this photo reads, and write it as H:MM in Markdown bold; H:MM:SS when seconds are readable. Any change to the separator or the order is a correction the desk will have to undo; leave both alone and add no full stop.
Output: **9:28**
